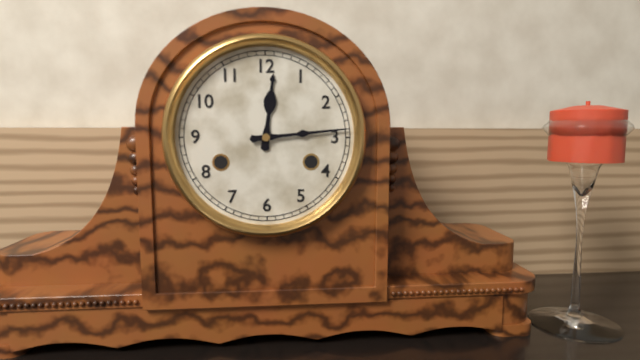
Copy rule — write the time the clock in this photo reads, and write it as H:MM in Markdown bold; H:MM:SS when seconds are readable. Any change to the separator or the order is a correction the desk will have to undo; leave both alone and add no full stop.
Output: **12:14**
